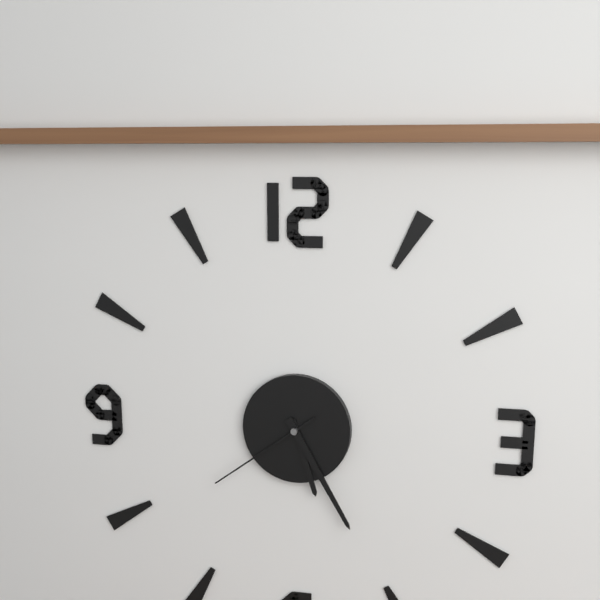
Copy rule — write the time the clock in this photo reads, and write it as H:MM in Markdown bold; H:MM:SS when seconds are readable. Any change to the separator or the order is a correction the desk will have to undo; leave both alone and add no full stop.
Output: **5:25:39**
